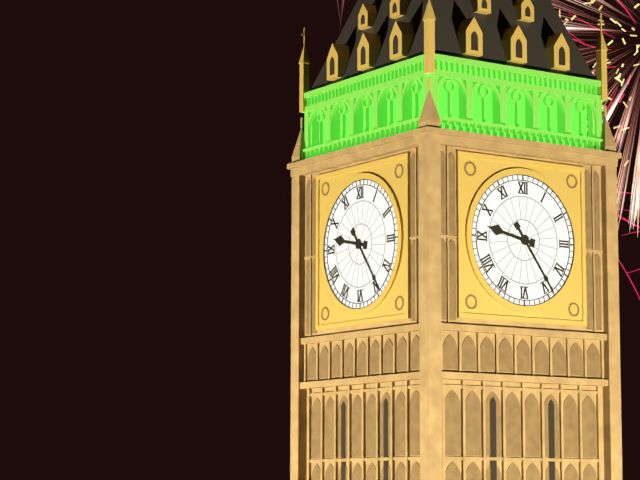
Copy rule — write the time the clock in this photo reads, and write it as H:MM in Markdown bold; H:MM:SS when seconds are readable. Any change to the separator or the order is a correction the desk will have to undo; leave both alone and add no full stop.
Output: **9:24**
